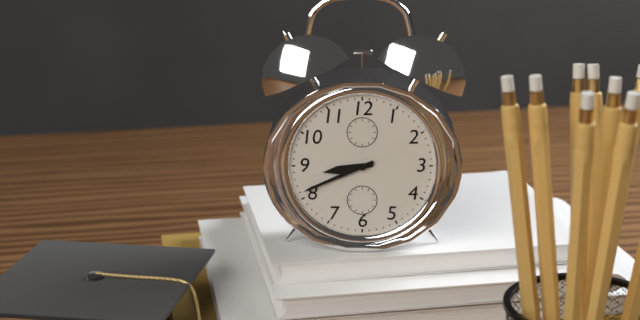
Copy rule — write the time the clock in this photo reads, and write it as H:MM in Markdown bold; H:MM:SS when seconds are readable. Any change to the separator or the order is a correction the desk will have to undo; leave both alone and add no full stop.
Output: **8:41**
